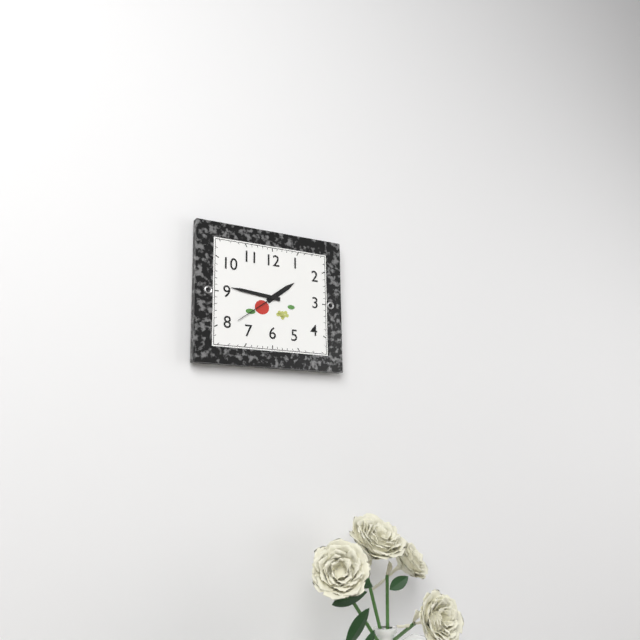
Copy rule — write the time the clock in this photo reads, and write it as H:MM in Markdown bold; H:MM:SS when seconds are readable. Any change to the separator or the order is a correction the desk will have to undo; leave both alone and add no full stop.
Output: **1:46:39**
